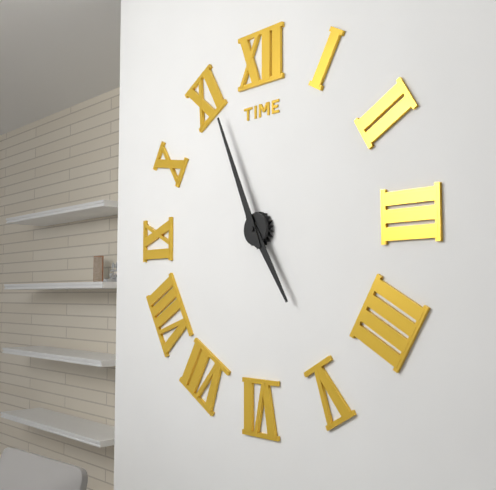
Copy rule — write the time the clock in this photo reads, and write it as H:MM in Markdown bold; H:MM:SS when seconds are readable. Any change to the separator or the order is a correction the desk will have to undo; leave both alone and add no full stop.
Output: **4:56**
